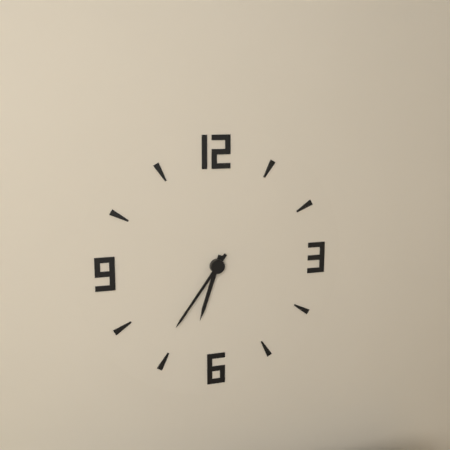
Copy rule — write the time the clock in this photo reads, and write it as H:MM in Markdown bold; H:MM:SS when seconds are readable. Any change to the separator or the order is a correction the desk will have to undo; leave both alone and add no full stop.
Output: **6:36**
